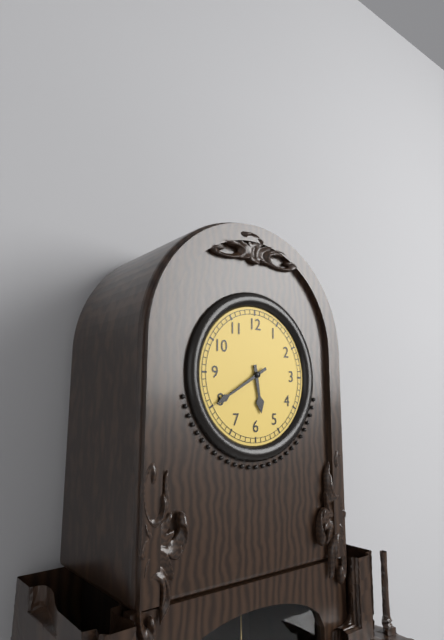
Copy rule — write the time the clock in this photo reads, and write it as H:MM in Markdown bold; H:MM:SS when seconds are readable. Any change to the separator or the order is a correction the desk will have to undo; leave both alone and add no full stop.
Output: **5:40**
